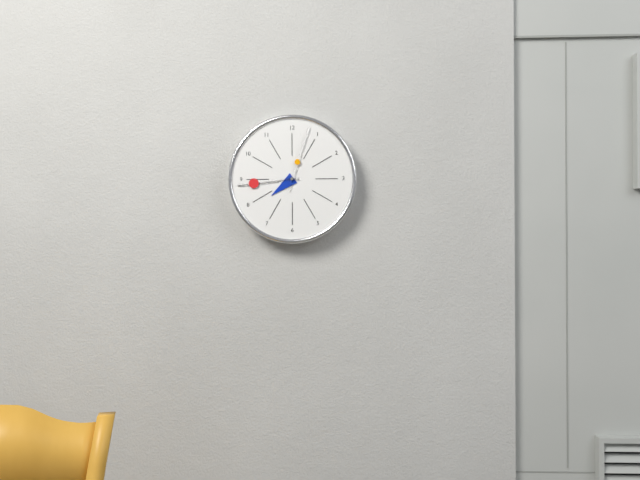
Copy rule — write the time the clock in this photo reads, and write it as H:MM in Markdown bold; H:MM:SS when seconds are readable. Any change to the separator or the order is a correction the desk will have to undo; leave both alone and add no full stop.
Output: **7:44:03**
